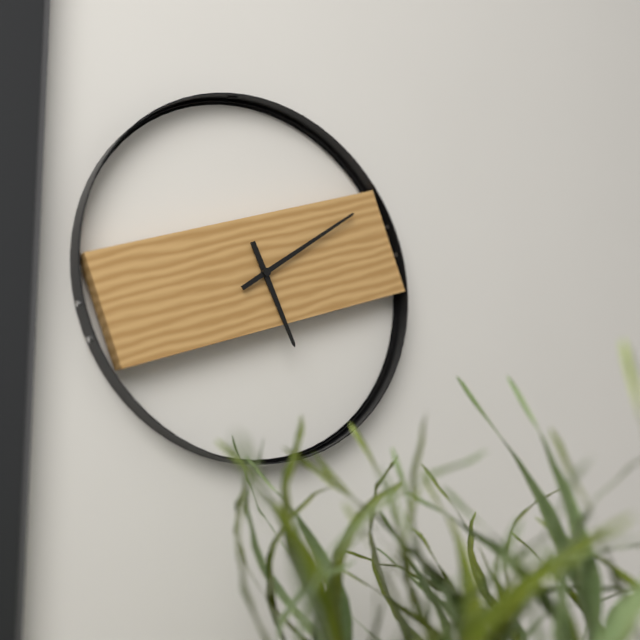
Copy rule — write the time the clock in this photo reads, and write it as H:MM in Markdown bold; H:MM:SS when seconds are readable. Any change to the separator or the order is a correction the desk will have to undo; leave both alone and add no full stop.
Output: **5:09**
